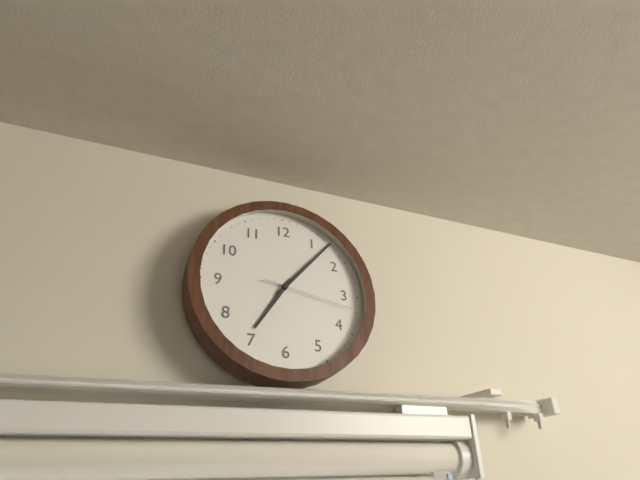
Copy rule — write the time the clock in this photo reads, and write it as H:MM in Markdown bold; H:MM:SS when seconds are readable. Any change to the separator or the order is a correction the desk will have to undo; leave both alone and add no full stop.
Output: **7:07:17**
